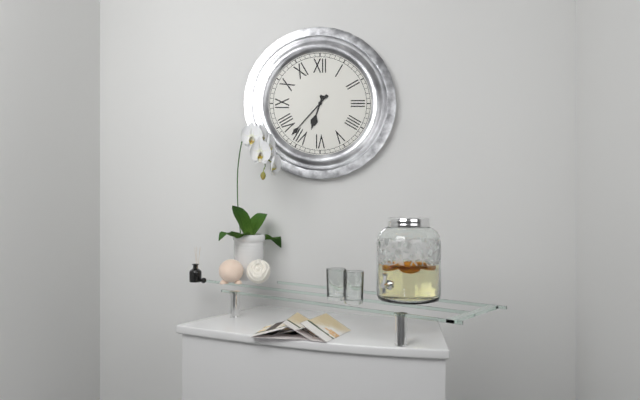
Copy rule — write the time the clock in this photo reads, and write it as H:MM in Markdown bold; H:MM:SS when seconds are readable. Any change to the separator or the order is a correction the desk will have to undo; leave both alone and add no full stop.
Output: **6:37**
